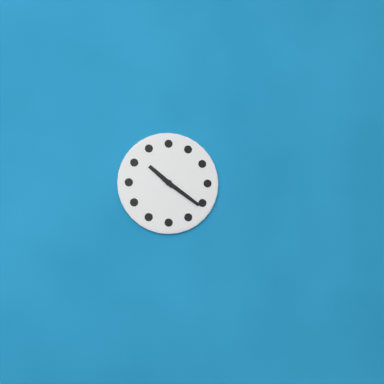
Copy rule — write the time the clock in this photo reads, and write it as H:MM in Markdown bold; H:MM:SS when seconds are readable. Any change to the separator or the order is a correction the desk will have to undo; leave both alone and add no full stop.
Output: **10:21**
